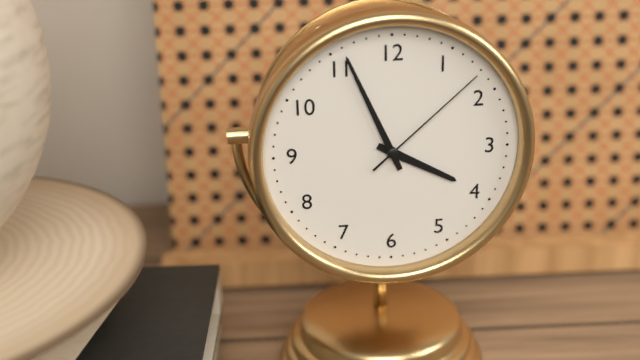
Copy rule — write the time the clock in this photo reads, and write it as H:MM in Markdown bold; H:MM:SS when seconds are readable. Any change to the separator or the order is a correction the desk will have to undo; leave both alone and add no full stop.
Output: **3:56:08**
